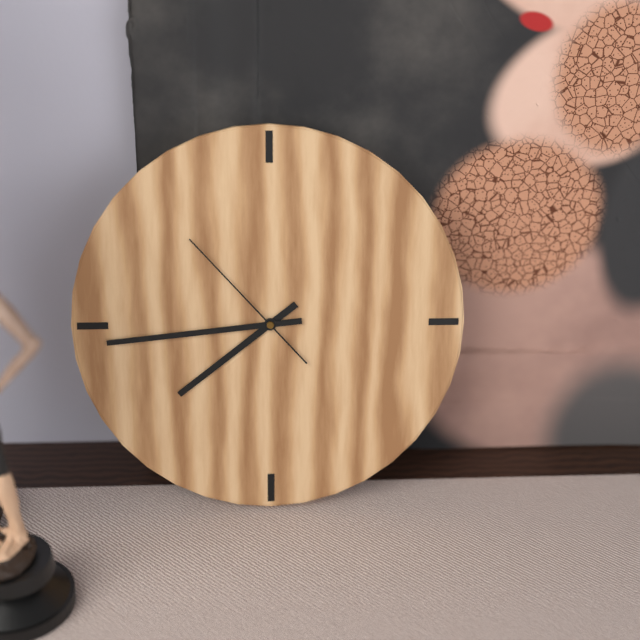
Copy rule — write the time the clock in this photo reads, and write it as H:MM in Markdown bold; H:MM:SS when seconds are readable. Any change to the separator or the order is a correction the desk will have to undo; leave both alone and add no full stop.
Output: **7:44:53**
